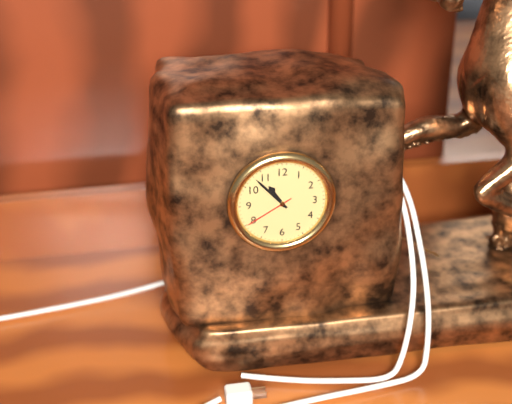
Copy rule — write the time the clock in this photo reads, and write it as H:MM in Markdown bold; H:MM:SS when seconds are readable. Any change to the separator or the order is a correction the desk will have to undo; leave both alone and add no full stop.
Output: **10:53:40**
